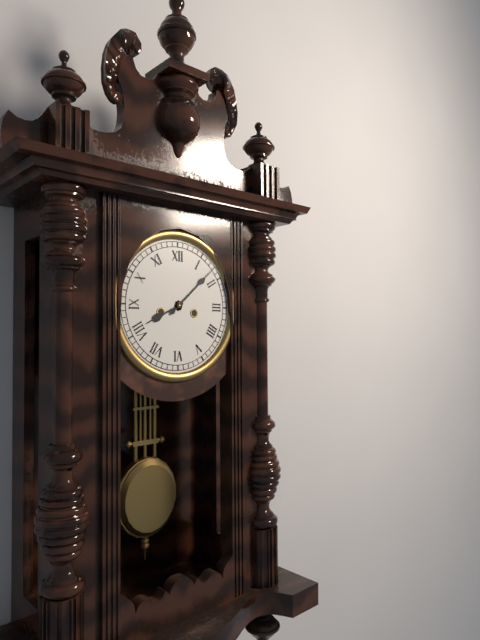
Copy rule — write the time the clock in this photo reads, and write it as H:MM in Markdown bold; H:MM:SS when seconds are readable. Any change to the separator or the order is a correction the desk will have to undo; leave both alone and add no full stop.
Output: **8:08**
